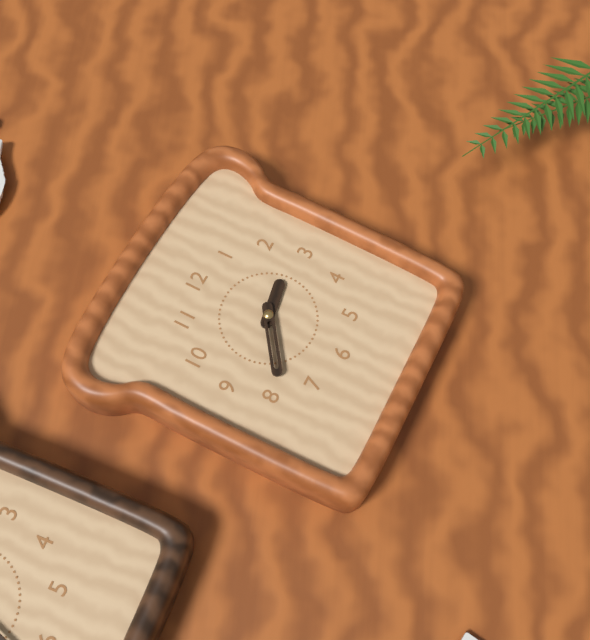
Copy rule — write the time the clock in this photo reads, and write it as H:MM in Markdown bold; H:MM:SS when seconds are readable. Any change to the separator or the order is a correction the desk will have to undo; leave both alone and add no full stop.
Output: **2:39**
